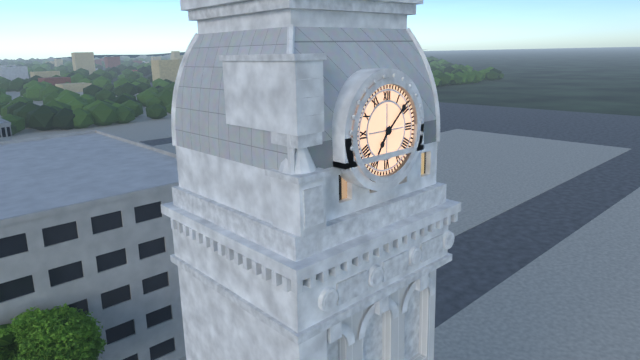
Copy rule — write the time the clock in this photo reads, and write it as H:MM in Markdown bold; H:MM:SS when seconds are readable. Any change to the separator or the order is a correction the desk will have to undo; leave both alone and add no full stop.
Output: **7:08**
